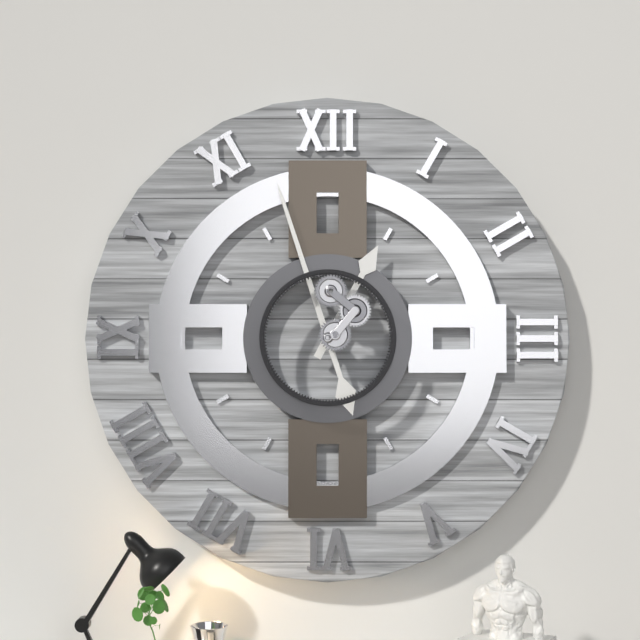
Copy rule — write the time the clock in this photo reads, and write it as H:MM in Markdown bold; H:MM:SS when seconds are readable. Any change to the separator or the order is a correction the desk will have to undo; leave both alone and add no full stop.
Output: **12:57**
